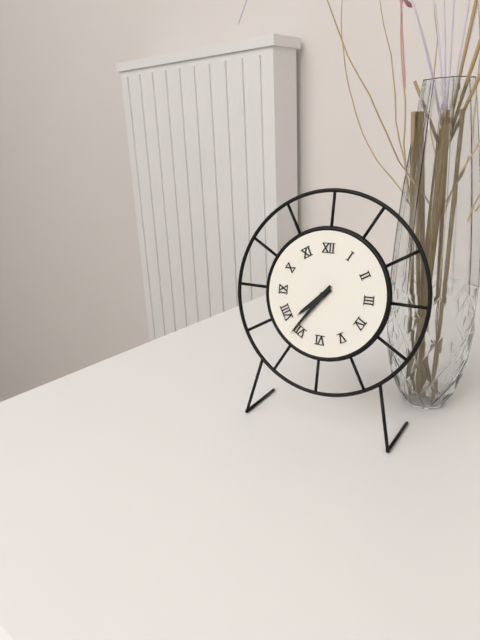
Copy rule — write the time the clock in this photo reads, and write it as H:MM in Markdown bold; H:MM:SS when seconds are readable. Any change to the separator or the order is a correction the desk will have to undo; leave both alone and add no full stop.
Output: **7:36**
